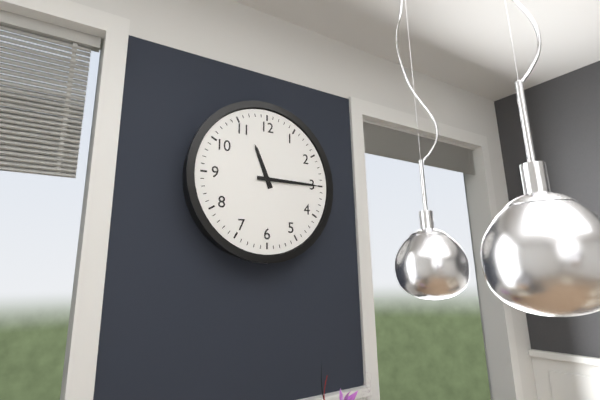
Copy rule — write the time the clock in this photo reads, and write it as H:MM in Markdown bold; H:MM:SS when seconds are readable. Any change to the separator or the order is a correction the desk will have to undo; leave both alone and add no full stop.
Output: **11:15**
